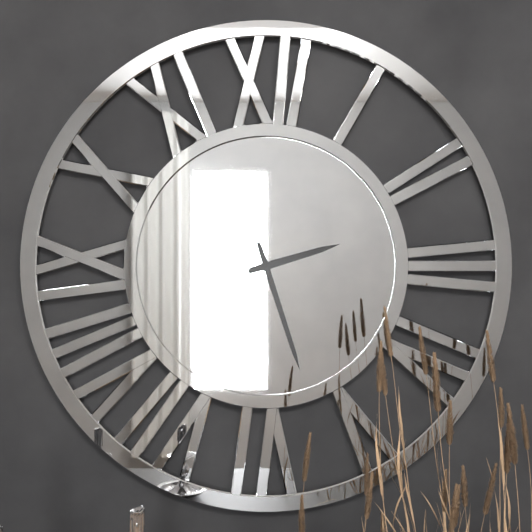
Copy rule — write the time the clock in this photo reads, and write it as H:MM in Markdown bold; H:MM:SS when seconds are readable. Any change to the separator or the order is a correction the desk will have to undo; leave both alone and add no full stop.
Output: **2:27**
